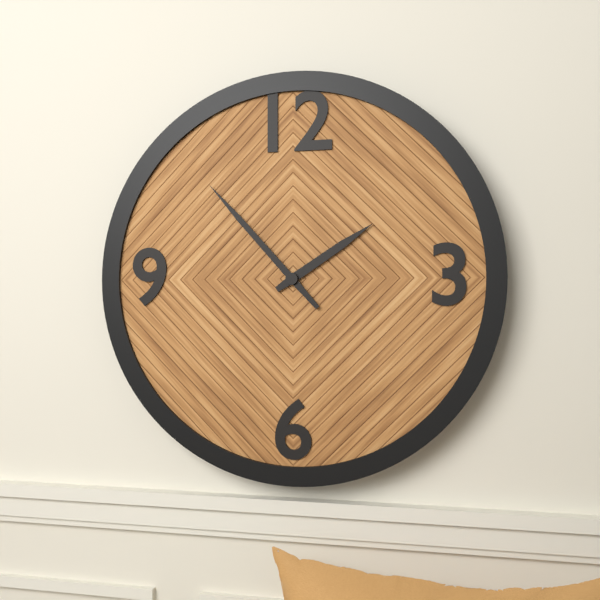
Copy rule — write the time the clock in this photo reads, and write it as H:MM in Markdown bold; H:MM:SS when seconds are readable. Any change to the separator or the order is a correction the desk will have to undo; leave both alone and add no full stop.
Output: **1:53**
